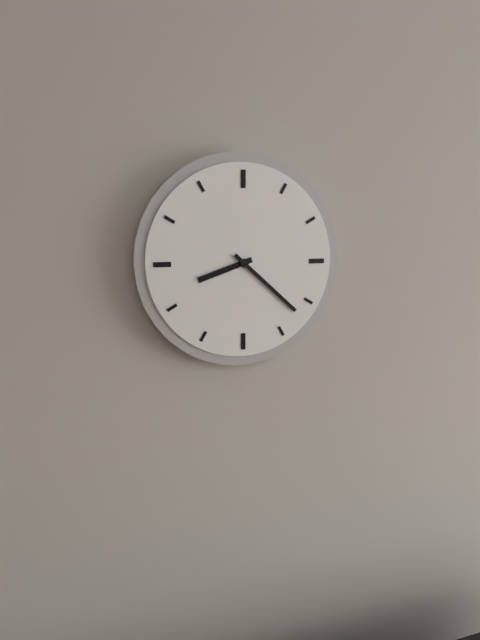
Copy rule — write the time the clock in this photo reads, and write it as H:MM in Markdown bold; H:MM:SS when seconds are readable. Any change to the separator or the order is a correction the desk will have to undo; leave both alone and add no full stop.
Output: **8:22**
